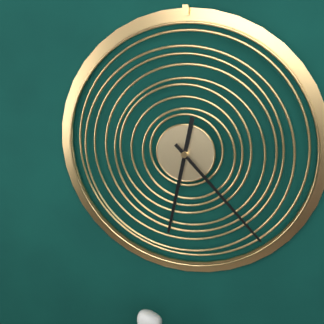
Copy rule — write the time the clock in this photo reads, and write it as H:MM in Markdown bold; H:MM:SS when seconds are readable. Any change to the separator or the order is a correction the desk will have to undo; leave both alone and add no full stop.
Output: **6:23**
